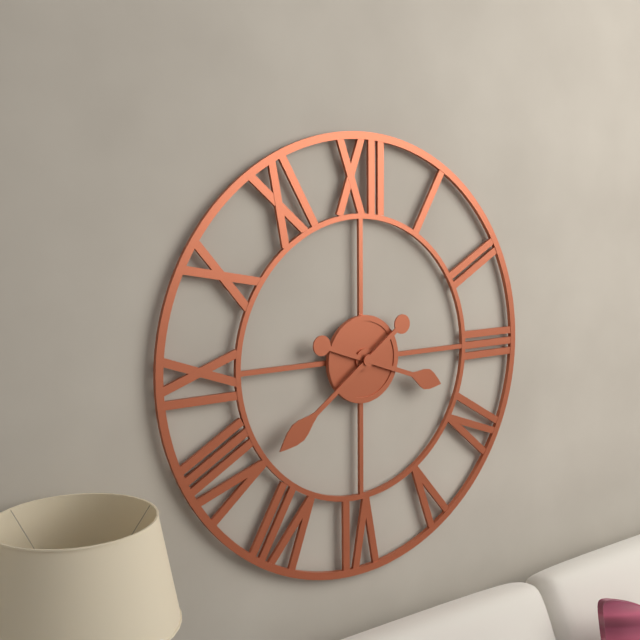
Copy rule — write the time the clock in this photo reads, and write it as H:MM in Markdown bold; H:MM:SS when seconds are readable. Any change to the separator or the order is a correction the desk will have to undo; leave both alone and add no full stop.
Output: **3:39**
